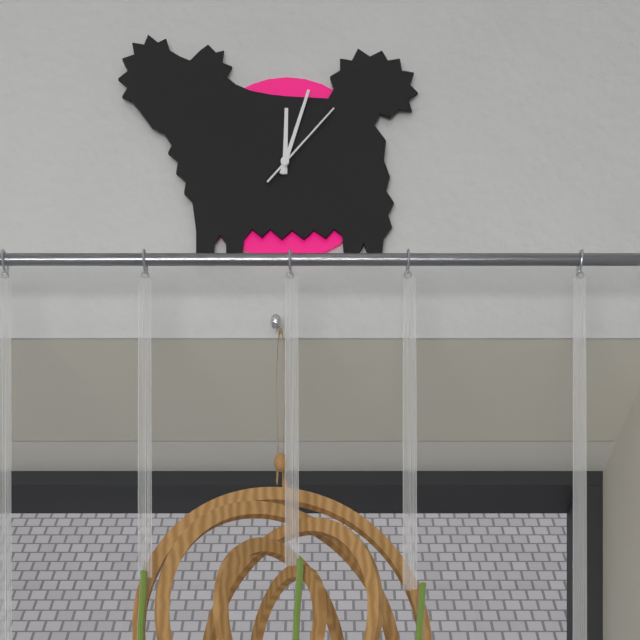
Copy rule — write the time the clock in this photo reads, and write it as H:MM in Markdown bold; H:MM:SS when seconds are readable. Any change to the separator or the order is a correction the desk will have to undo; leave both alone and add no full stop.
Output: **12:03:07**
